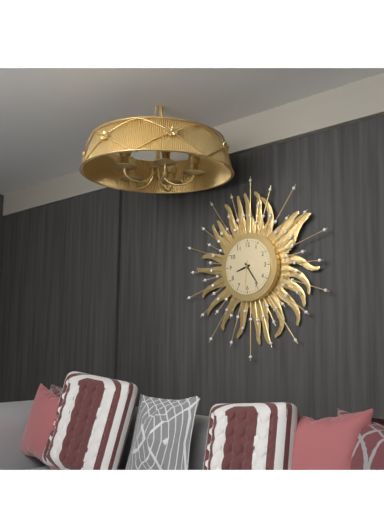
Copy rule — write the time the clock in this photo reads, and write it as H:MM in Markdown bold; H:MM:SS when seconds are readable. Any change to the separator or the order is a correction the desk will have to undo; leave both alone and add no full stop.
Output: **8:24**
